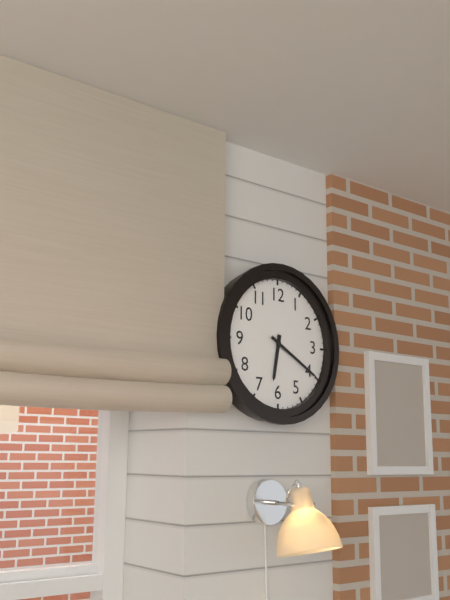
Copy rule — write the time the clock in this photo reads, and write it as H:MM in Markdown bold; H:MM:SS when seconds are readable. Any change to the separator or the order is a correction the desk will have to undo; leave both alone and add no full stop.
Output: **6:20**
